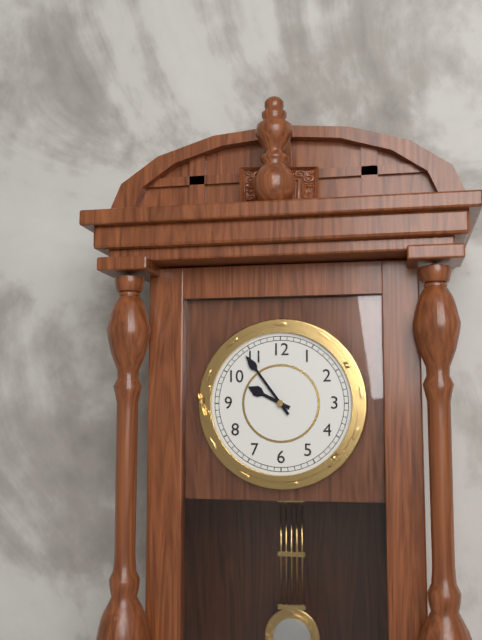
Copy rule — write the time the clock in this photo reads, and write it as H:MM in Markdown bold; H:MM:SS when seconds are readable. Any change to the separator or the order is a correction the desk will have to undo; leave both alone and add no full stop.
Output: **9:54**
